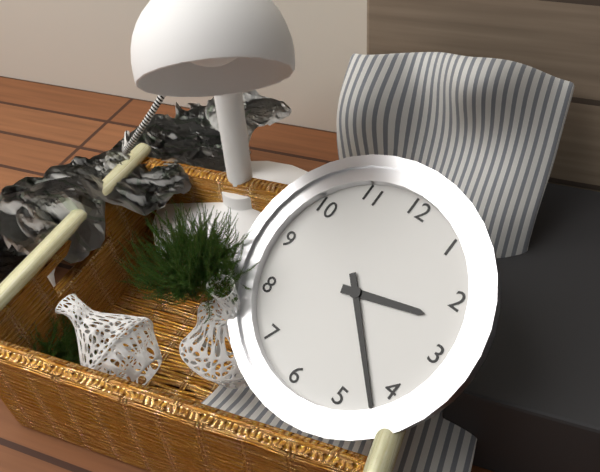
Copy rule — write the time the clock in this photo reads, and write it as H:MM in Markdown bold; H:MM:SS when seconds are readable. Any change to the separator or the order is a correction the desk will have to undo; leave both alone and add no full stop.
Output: **2:22**
